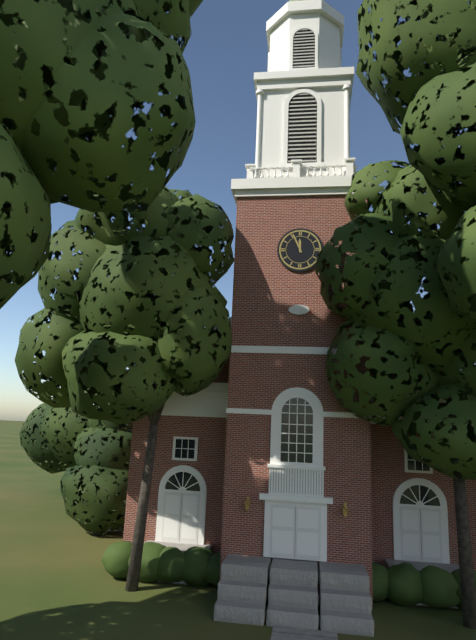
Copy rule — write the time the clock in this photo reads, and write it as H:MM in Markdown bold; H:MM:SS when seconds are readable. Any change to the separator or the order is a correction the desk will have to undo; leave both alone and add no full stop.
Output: **11:56**
